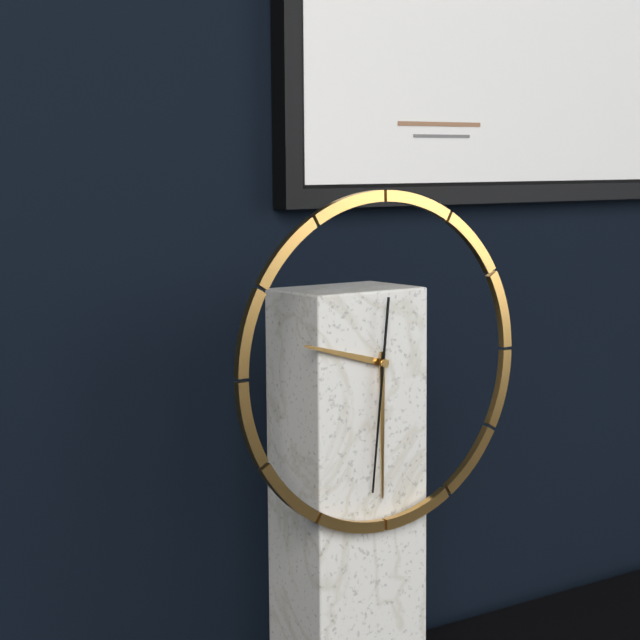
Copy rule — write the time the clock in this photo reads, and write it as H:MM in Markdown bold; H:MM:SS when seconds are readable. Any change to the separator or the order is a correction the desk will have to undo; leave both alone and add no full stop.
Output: **9:30:31**
